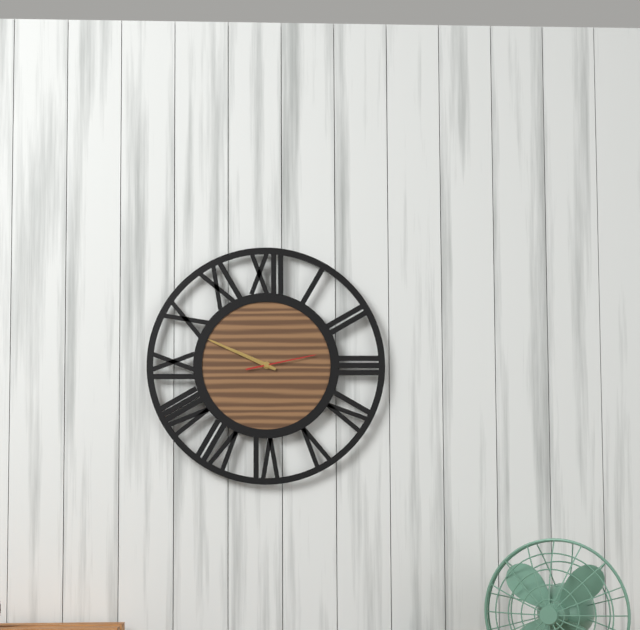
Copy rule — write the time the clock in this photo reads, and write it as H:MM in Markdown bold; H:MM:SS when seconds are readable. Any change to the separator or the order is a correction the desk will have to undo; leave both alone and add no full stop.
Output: **9:49:13**
